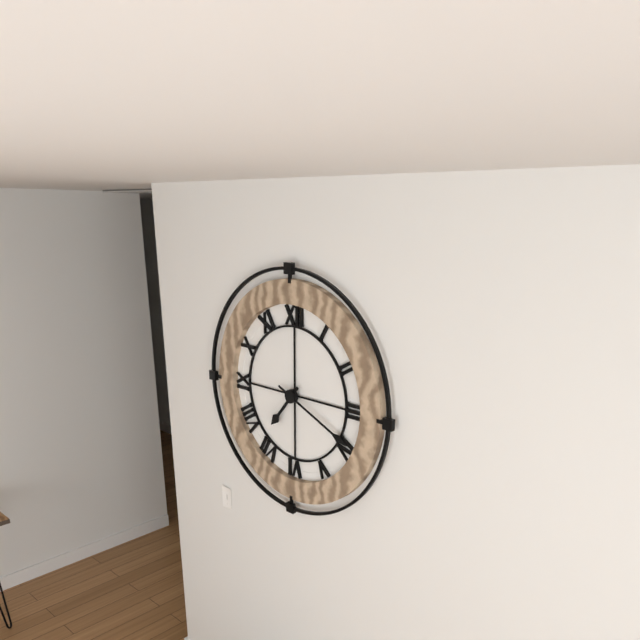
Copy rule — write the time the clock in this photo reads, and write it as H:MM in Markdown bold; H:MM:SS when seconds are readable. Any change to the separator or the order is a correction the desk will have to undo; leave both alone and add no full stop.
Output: **7:19**
